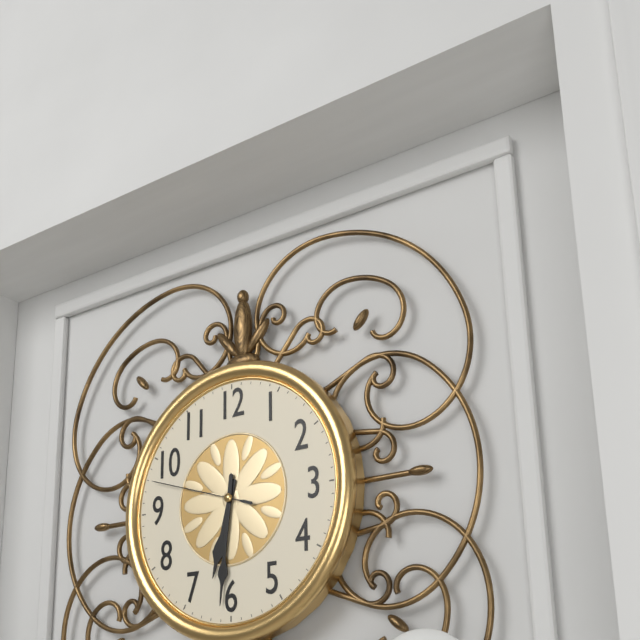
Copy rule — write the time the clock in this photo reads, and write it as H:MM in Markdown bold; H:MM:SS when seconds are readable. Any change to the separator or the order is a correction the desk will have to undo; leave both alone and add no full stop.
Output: **6:31:48**
